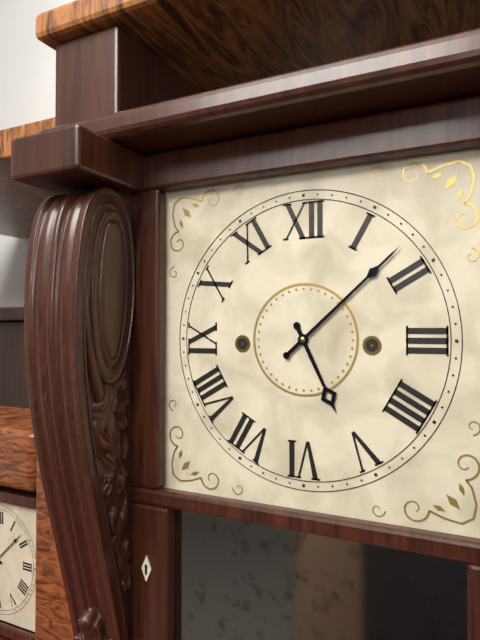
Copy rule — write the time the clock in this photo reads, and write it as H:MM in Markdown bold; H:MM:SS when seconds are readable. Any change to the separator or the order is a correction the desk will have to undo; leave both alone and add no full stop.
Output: **5:08**
